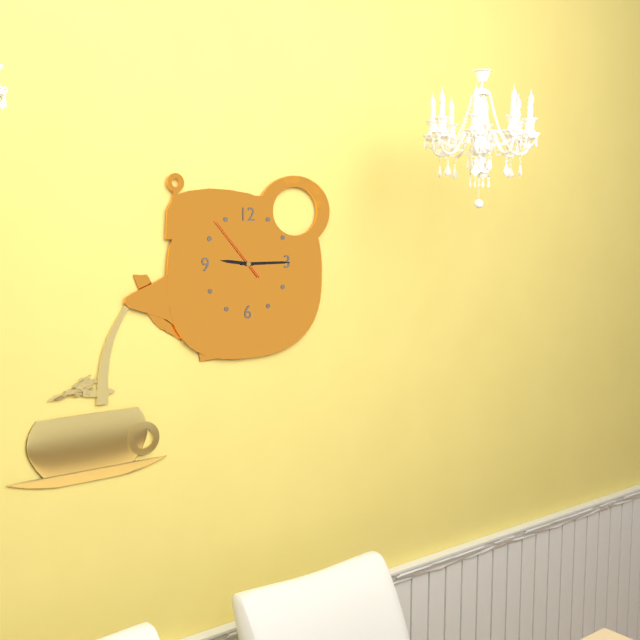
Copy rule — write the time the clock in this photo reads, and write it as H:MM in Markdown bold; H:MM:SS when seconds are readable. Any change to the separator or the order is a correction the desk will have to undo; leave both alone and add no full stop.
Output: **9:15:53**
